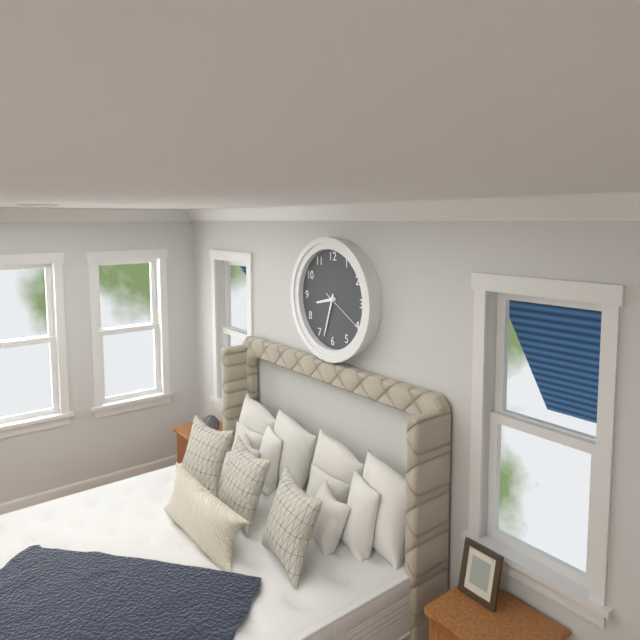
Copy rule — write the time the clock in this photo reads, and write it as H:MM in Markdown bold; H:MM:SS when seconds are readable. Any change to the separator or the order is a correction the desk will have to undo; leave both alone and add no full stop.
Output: **8:33**
